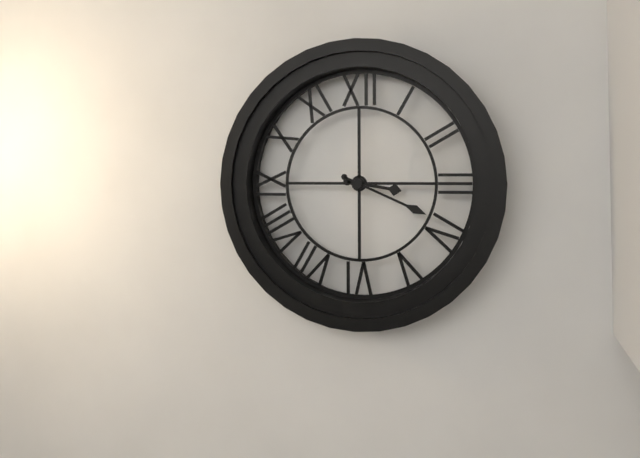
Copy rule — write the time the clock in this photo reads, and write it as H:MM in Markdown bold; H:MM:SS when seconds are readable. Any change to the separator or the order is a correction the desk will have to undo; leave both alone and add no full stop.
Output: **3:19**
